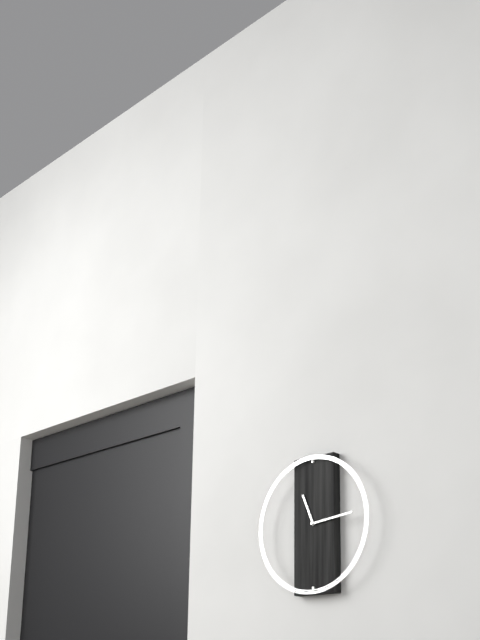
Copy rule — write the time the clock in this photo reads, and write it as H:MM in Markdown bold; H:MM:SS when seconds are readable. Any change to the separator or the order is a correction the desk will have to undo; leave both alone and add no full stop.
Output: **11:14**
